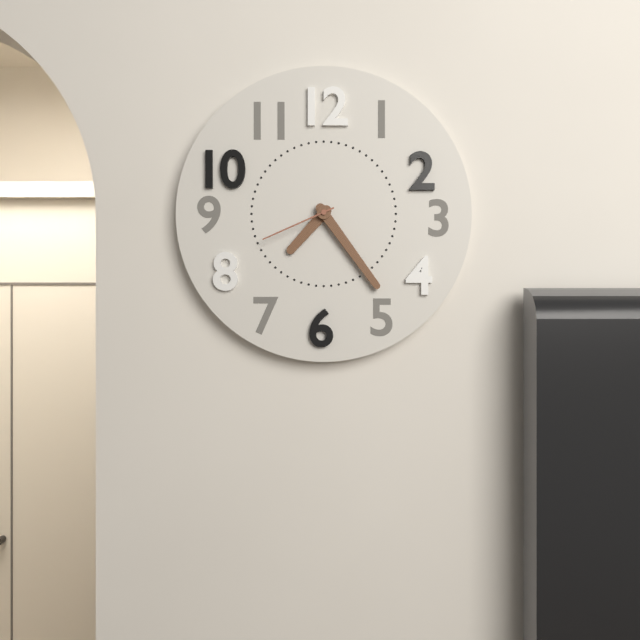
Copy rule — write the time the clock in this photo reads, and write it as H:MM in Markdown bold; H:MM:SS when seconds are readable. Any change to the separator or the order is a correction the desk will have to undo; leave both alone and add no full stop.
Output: **7:24:41**
